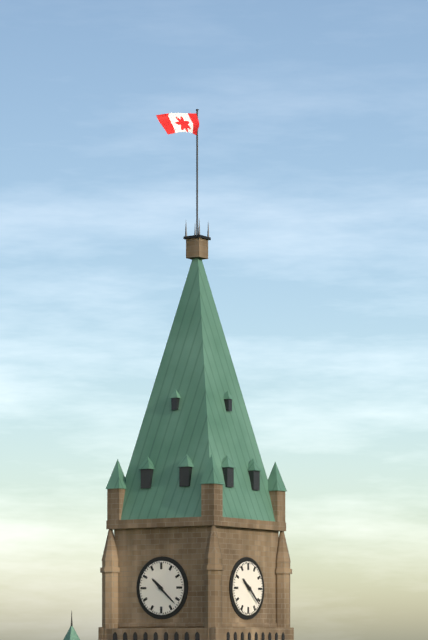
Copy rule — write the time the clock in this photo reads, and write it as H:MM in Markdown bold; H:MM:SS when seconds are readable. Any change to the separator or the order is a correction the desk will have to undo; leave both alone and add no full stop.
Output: **10:22**
